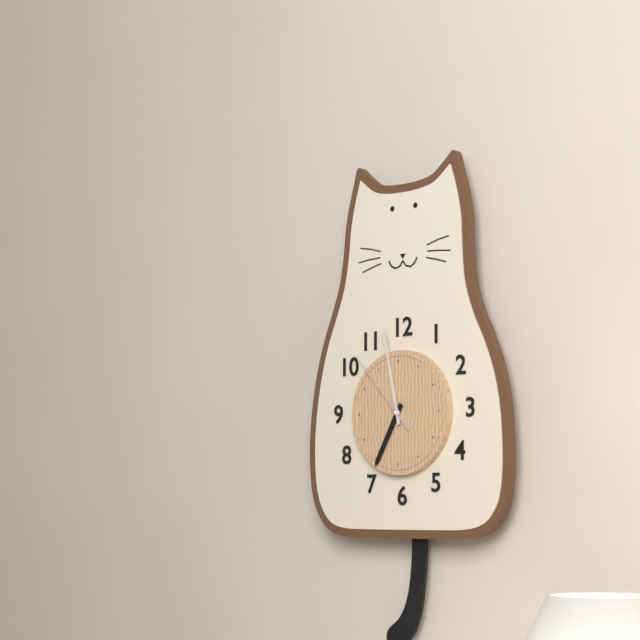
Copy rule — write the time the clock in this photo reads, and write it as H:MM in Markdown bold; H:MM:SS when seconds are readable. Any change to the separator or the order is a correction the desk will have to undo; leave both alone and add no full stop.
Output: **6:58:53**
